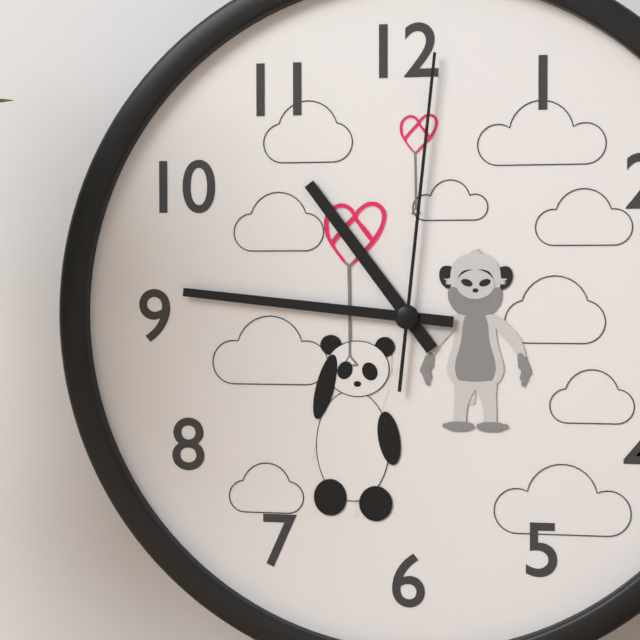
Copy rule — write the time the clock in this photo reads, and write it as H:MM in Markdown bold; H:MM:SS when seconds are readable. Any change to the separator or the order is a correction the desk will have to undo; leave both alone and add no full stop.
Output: **10:46:01**
